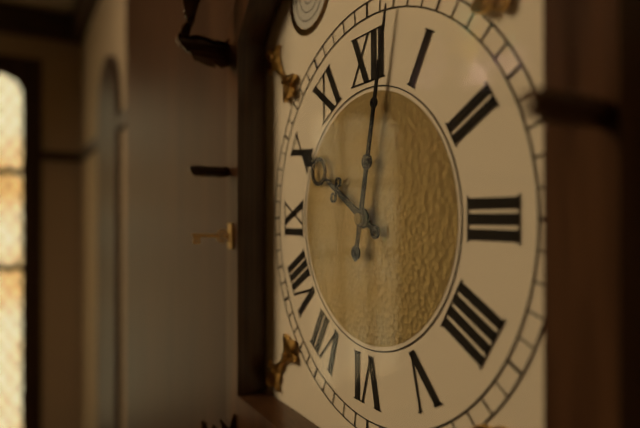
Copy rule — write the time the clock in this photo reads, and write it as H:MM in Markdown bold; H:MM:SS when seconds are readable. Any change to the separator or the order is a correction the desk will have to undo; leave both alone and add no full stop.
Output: **10:02**
